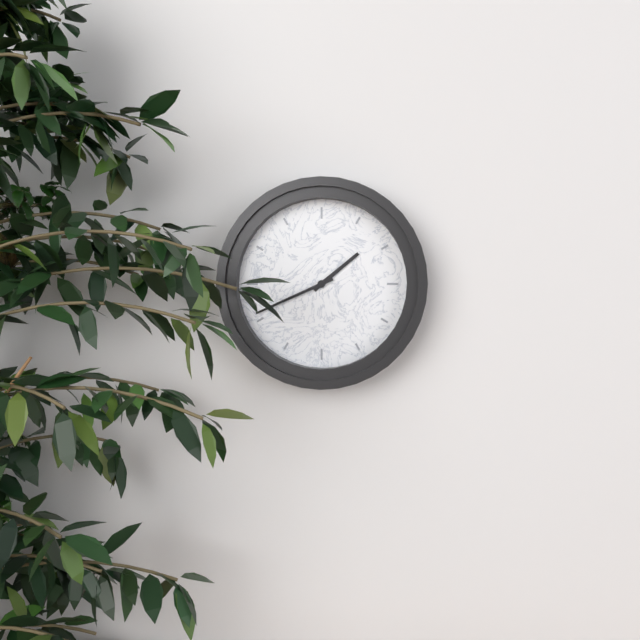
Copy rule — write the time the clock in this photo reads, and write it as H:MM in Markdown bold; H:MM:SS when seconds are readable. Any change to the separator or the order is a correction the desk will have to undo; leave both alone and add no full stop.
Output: **1:41**
